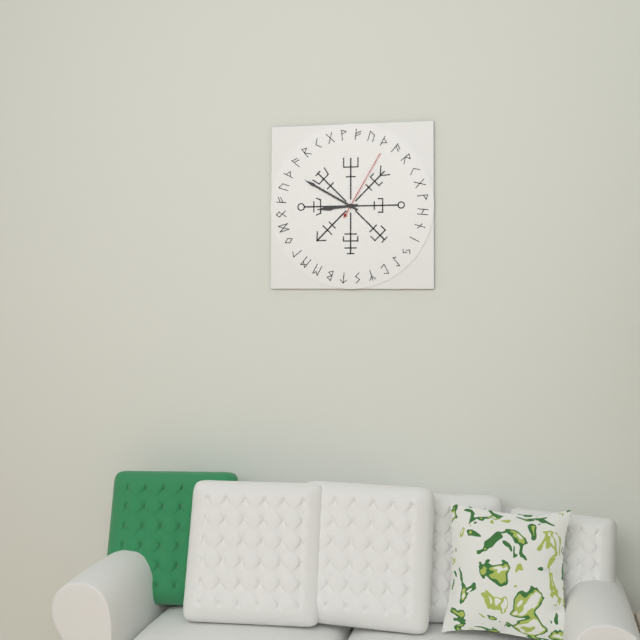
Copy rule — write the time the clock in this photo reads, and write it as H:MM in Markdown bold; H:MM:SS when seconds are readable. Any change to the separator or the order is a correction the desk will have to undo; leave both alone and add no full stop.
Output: **8:50:05**
